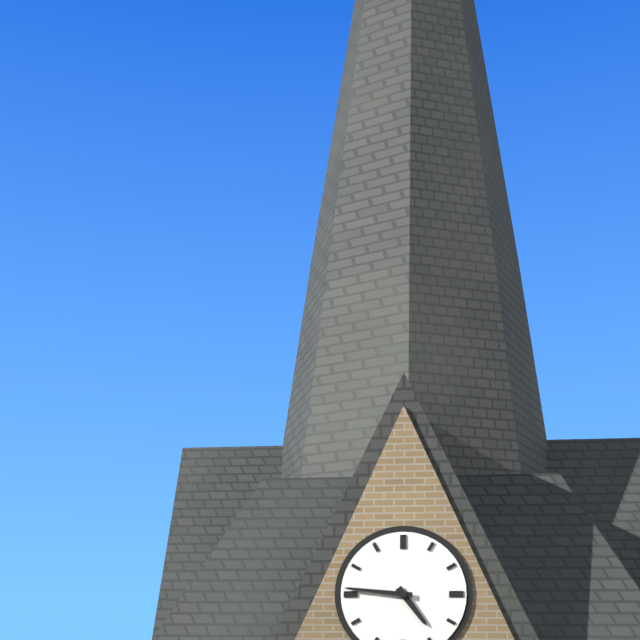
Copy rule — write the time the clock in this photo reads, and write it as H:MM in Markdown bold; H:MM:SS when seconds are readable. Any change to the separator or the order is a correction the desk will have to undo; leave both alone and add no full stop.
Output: **4:46**
